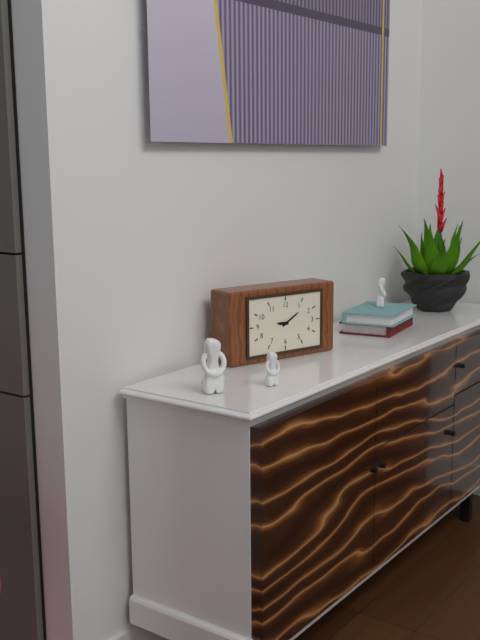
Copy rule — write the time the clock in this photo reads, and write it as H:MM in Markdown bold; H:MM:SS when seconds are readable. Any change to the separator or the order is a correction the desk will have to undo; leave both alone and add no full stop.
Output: **9:10**
